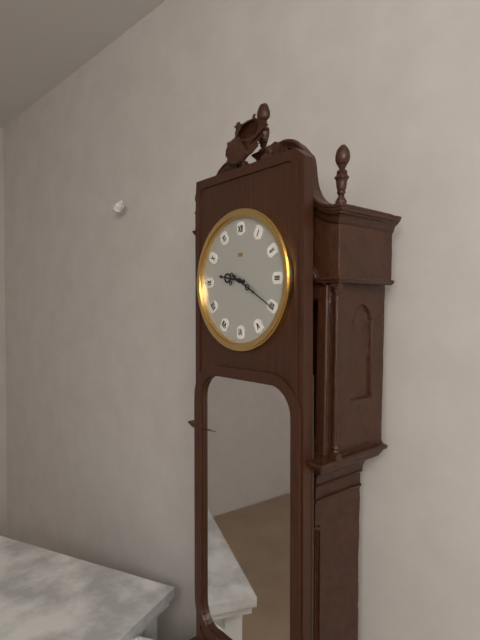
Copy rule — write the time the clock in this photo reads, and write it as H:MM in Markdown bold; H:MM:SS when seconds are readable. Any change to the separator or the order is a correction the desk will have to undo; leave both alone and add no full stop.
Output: **9:20**
